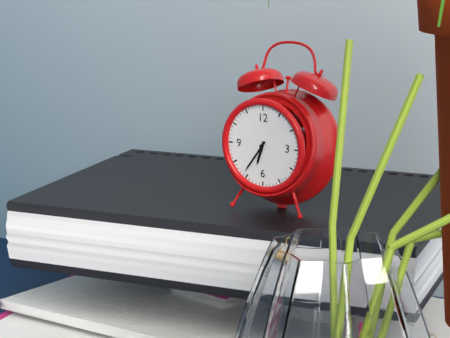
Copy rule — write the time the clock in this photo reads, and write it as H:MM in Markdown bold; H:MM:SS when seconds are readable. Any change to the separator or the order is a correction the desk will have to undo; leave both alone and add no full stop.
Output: **6:36**
